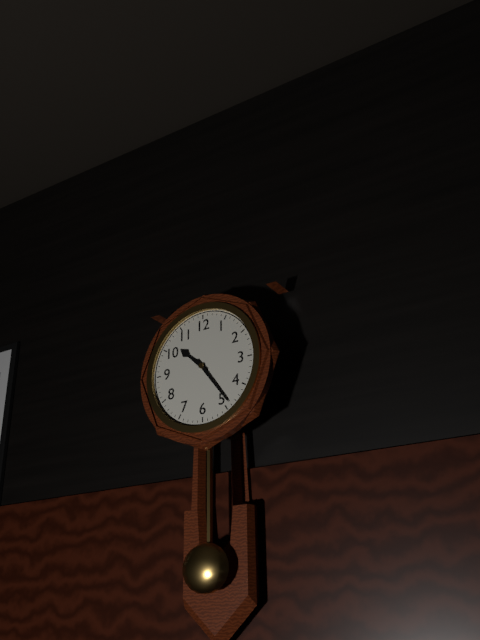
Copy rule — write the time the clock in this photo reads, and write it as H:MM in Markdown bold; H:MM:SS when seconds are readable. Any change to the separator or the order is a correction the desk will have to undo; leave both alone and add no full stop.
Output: **10:24**
